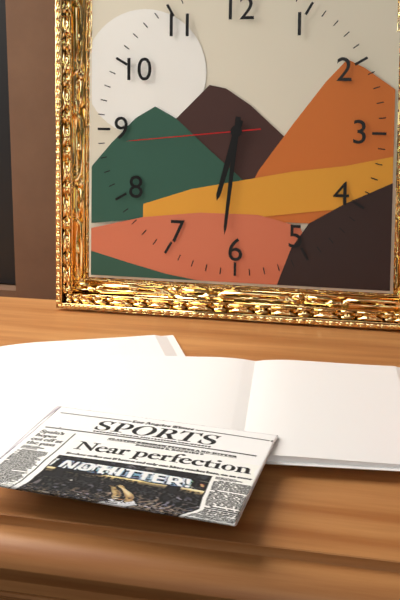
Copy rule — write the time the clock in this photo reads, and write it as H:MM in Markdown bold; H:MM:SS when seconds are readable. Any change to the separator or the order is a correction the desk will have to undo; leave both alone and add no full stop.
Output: **6:31:44**
